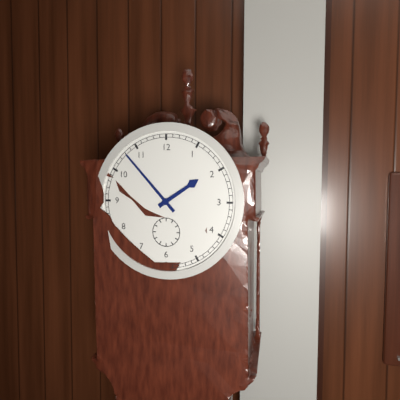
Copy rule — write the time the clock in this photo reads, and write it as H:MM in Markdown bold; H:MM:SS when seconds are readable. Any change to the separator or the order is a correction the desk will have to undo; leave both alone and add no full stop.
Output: **1:53**
